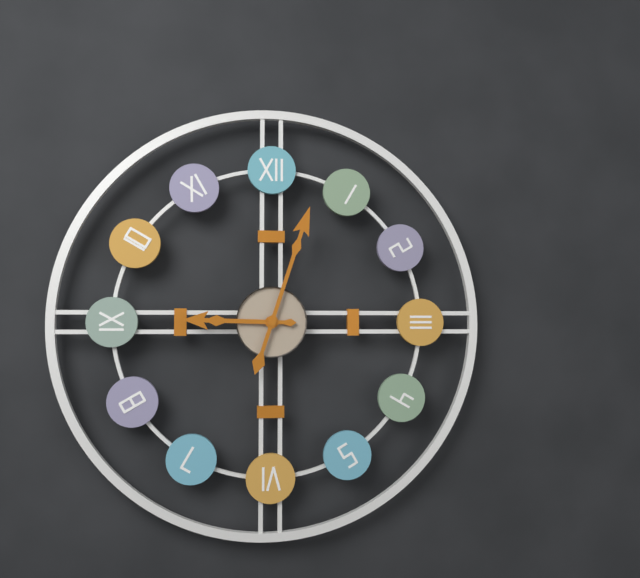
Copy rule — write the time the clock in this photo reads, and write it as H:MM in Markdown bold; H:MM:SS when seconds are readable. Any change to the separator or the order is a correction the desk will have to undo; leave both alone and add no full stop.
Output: **9:03**
